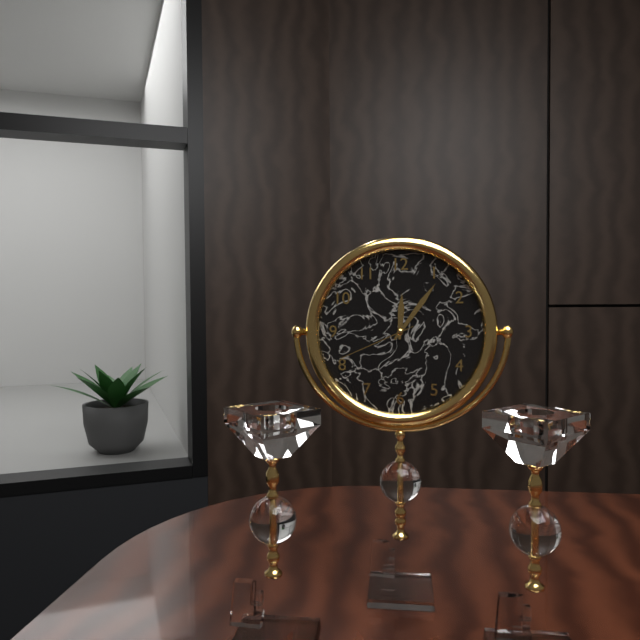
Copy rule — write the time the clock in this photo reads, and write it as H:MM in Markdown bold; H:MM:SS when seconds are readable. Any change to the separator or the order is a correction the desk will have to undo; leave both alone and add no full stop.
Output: **12:06:41**
